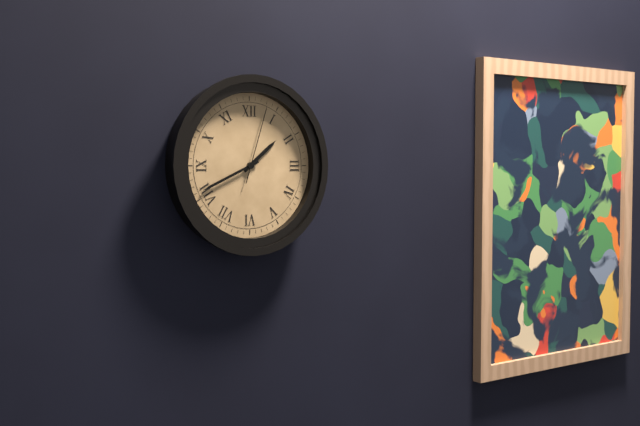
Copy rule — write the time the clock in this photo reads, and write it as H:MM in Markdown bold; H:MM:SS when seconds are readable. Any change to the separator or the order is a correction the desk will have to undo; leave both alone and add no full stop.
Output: **1:41:03**
